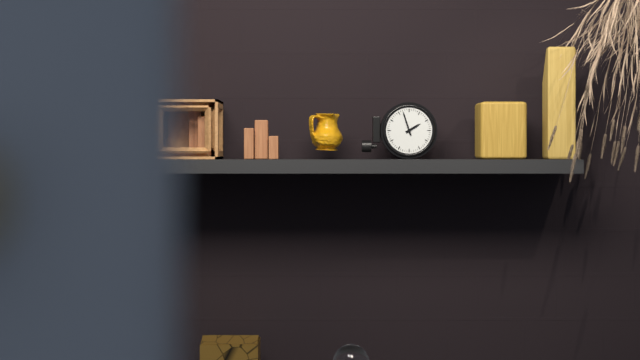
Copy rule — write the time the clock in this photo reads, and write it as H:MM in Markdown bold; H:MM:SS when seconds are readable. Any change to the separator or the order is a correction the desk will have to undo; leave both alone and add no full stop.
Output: **1:57**
